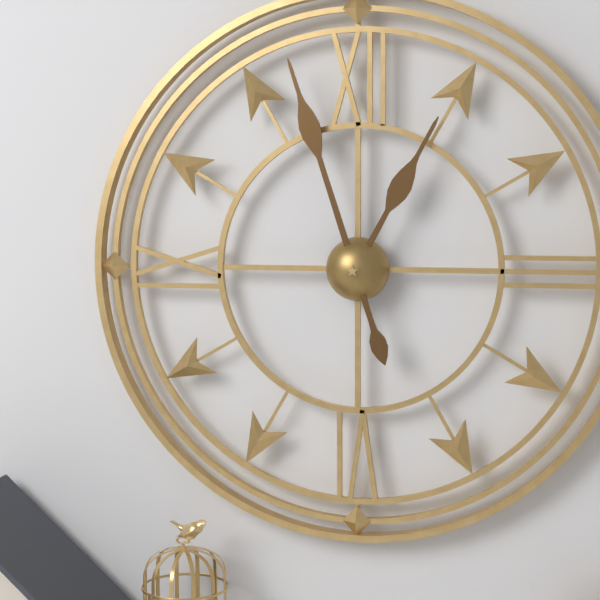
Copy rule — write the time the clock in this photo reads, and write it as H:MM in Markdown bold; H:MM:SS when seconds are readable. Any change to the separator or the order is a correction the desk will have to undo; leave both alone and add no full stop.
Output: **12:57**
